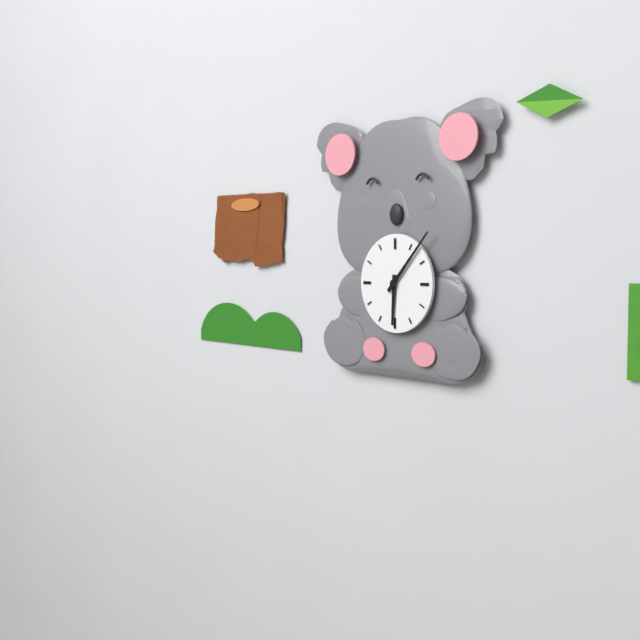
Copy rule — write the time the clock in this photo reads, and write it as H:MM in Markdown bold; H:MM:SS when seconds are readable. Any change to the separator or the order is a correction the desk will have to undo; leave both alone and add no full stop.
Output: **6:07**
